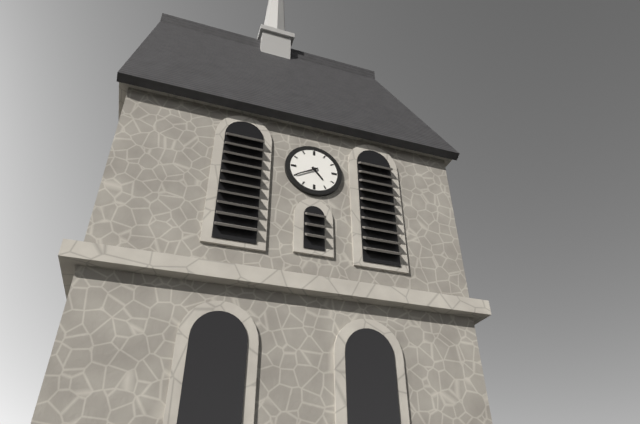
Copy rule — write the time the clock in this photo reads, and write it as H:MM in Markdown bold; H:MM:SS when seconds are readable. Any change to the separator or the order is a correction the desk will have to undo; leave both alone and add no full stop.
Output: **4:40**
